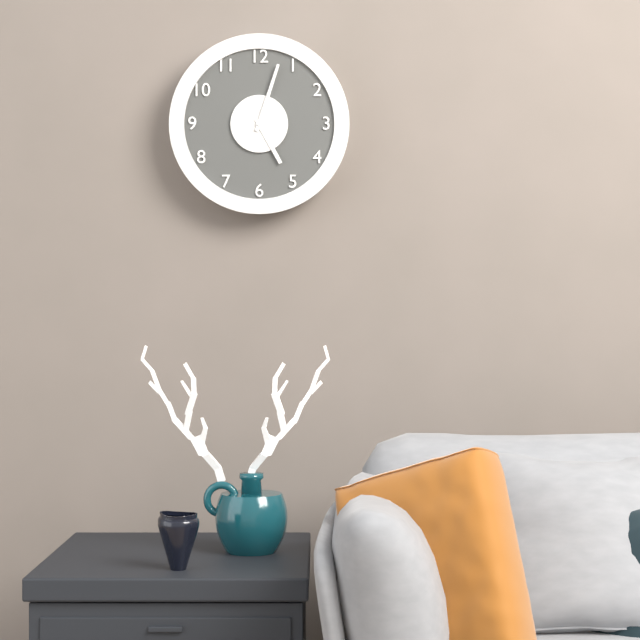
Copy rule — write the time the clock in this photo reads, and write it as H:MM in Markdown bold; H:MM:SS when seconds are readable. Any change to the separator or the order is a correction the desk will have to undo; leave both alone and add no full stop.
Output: **5:03**
